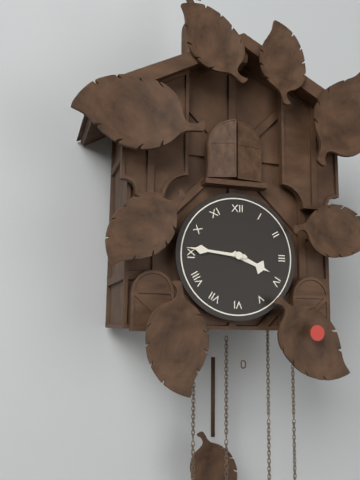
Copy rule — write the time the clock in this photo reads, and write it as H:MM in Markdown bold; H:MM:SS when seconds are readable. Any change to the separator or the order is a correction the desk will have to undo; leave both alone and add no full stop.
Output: **3:46**
